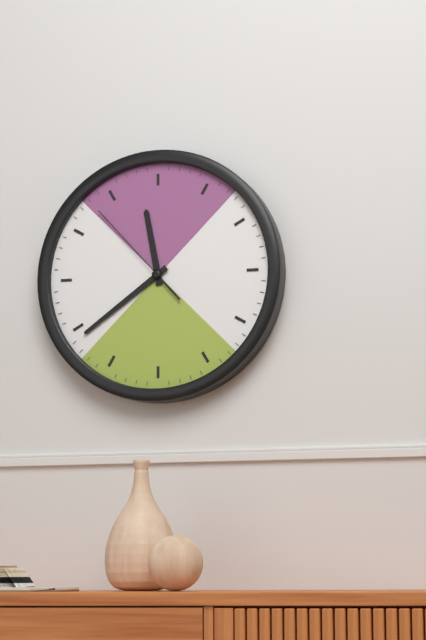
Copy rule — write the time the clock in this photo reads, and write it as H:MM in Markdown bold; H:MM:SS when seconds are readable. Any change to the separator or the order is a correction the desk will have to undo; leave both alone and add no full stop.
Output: **11:39:53**
